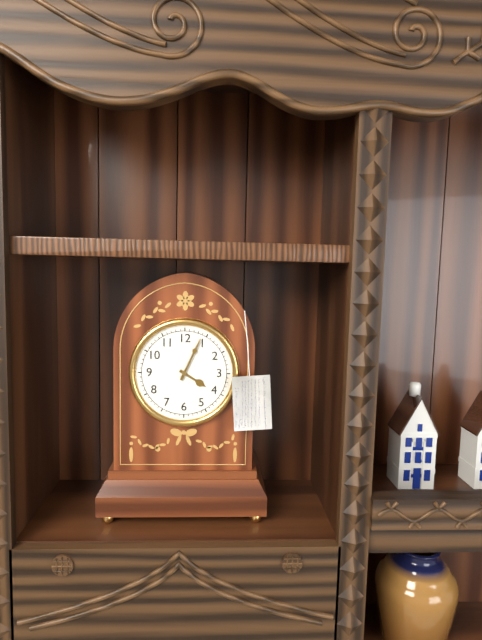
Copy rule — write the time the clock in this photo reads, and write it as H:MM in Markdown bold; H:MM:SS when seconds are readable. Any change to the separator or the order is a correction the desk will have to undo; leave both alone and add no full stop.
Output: **4:04**
